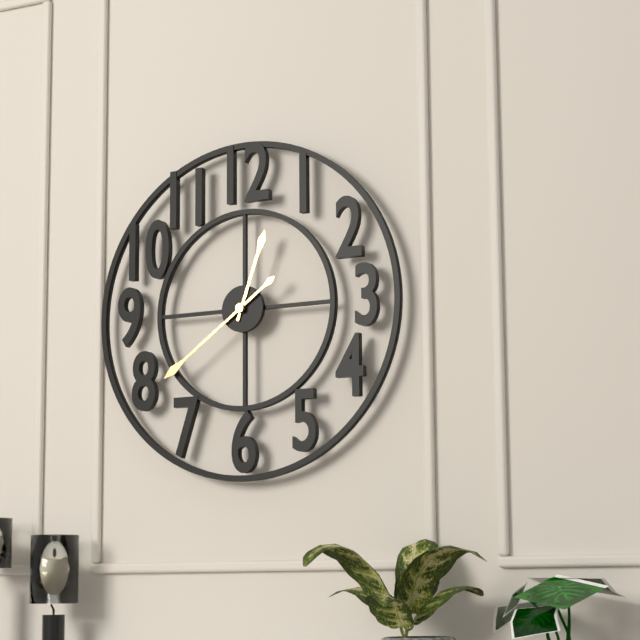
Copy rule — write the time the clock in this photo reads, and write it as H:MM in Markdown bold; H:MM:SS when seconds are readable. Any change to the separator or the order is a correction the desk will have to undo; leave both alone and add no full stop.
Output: **12:39**
